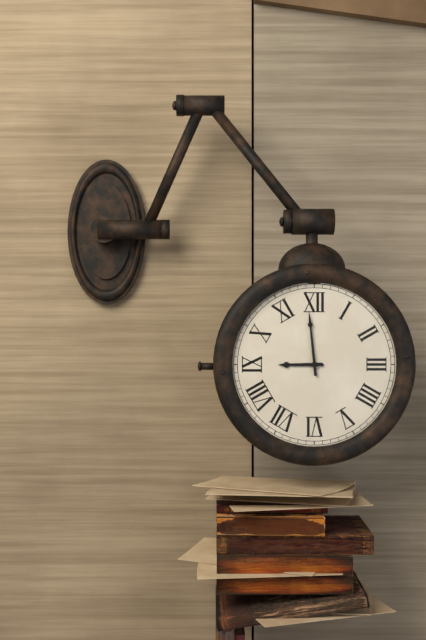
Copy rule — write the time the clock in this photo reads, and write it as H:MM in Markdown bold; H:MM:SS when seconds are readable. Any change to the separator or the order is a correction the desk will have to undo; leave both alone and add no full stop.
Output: **8:59**
